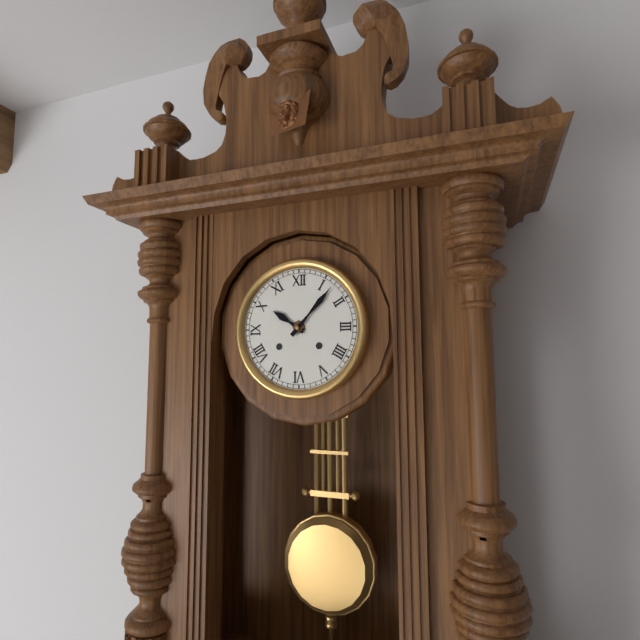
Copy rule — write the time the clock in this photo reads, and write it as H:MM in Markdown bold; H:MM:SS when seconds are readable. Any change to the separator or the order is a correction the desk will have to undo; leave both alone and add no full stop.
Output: **10:07**
